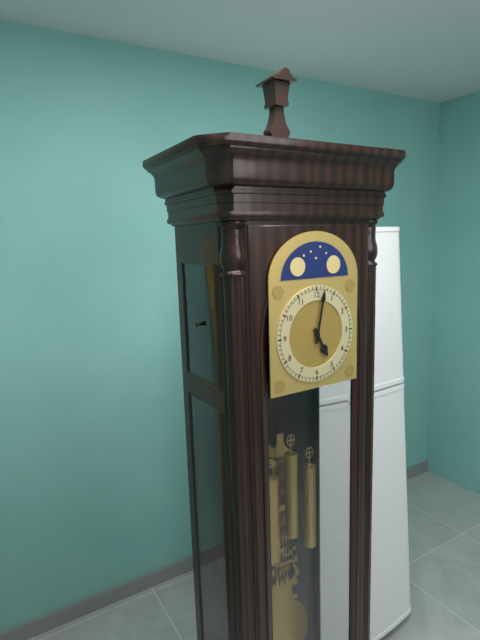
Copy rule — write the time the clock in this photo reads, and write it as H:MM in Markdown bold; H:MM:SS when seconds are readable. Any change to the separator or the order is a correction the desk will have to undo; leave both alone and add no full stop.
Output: **5:02**
